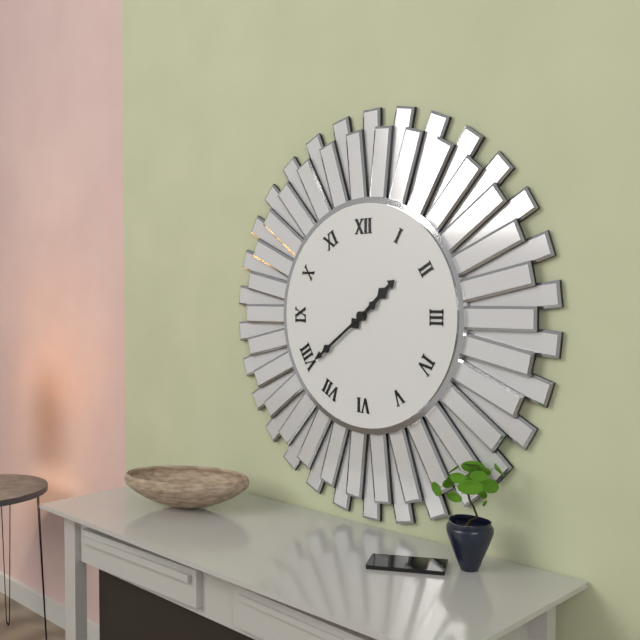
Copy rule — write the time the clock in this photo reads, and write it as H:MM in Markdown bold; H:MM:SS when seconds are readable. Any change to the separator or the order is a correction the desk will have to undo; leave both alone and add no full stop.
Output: **1:39**
